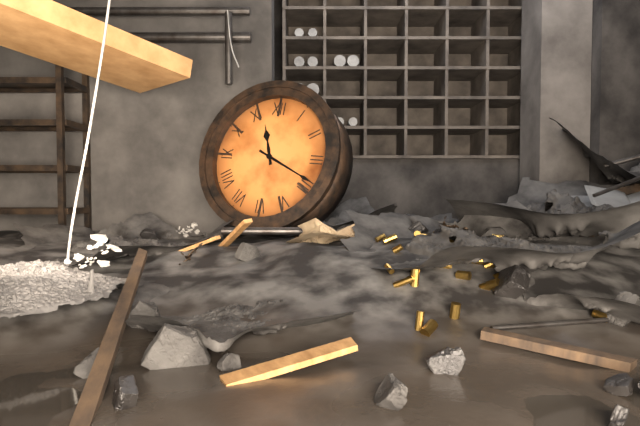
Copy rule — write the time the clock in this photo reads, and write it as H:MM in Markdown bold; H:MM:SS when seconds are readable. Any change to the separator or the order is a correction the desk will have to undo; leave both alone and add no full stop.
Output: **11:19**
